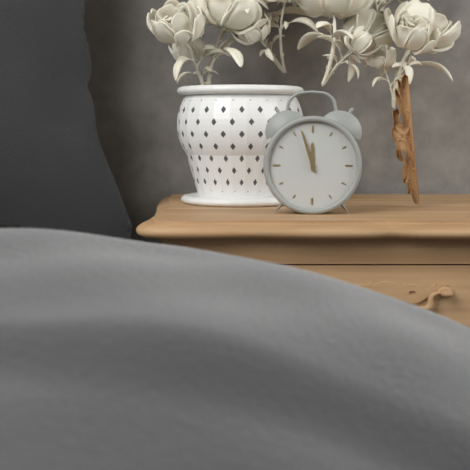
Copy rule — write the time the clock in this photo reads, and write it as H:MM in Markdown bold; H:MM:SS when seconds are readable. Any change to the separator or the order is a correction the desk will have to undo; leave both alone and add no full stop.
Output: **11:57**
